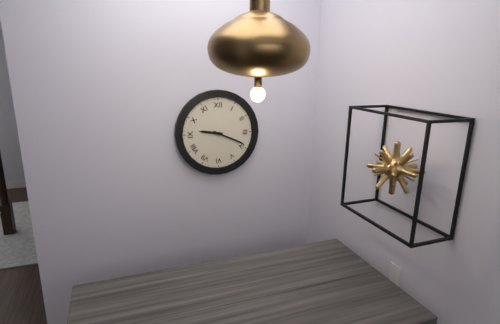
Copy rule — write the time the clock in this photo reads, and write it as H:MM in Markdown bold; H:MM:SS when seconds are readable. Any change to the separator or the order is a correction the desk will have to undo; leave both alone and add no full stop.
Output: **9:19**
